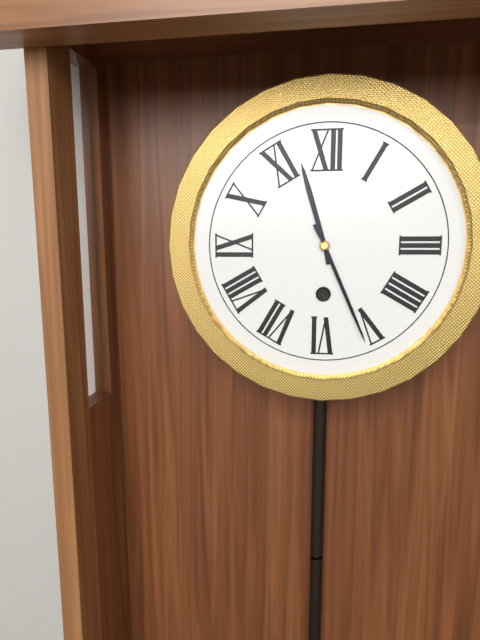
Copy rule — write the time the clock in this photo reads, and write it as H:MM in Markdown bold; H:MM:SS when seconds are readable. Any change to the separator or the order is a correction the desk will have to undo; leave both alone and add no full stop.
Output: **11:26**
